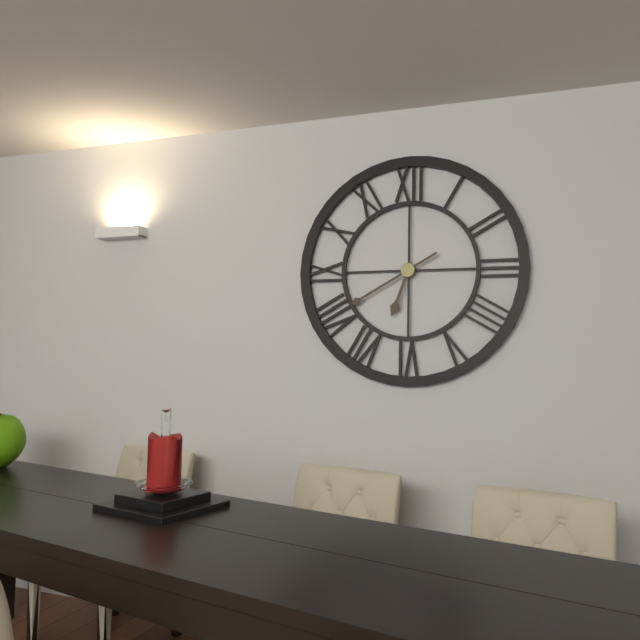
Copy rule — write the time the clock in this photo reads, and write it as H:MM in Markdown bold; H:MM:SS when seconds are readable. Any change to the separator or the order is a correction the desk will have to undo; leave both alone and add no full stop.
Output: **6:40**
